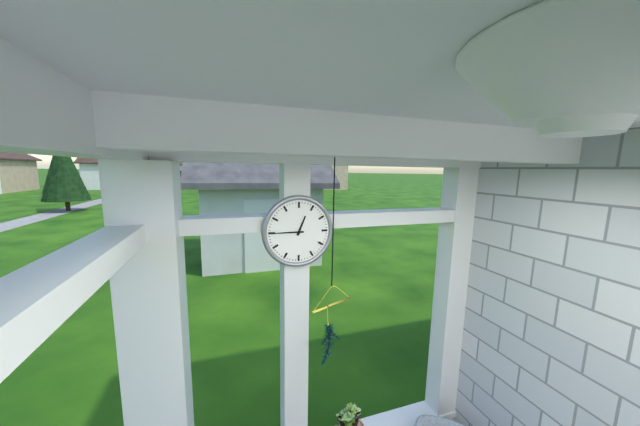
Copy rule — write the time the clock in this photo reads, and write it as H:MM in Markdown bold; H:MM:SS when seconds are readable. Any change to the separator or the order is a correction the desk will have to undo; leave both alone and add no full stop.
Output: **12:45**
